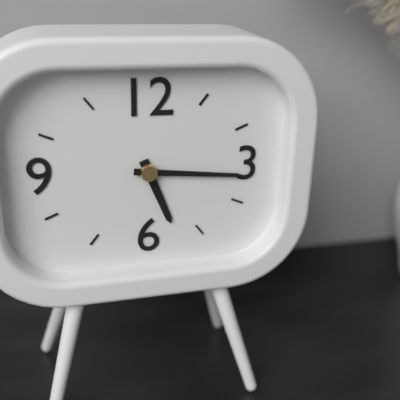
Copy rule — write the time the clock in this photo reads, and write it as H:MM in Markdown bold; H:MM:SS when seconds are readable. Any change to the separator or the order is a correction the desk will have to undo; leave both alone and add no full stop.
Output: **5:16**
